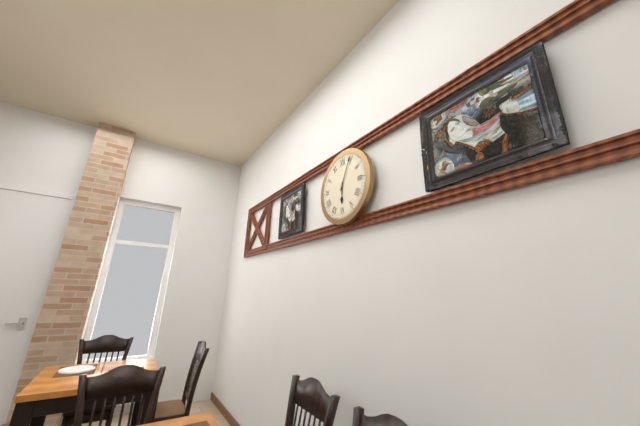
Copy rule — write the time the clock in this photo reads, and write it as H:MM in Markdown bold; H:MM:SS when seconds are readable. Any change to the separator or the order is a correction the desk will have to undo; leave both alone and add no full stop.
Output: **6:04**
